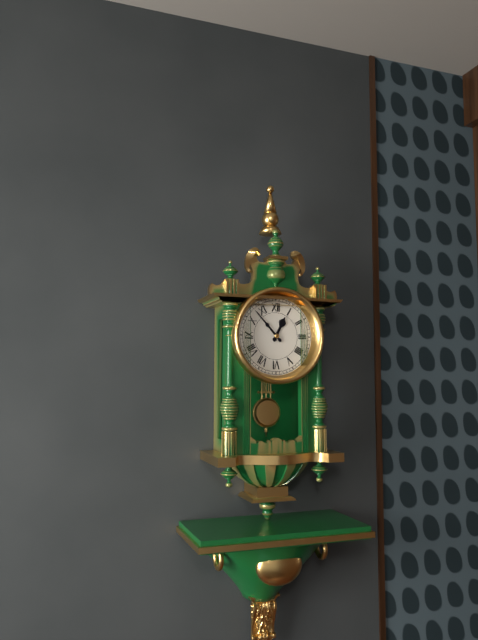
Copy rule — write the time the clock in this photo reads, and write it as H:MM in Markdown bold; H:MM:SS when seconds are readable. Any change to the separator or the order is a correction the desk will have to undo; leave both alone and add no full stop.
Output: **12:53**
